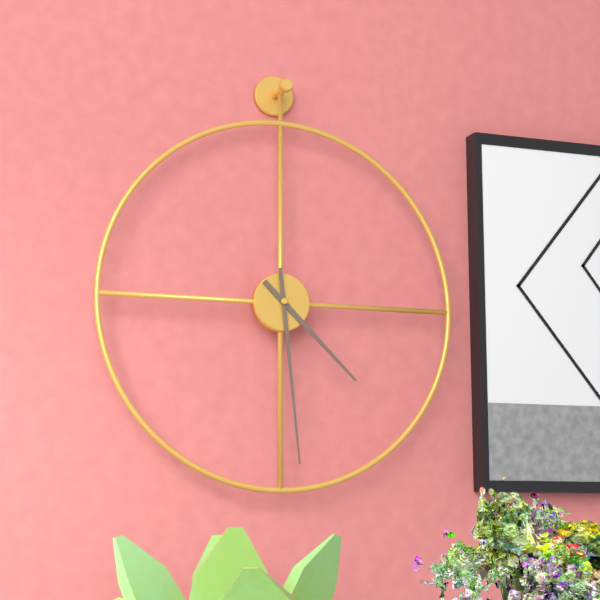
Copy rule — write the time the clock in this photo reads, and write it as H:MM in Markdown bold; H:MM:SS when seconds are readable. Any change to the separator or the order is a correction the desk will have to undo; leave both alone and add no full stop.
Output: **4:29**
